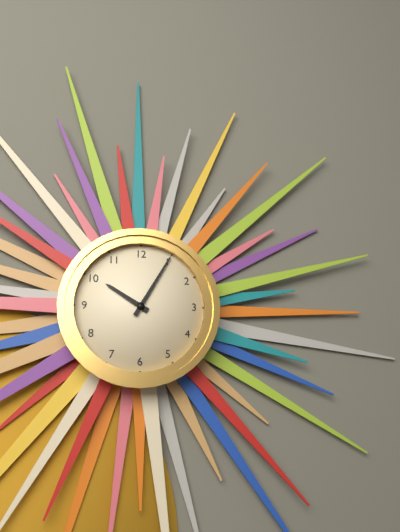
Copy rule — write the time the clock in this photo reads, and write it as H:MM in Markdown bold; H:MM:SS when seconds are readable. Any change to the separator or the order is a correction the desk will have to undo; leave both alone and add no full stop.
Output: **10:05**
